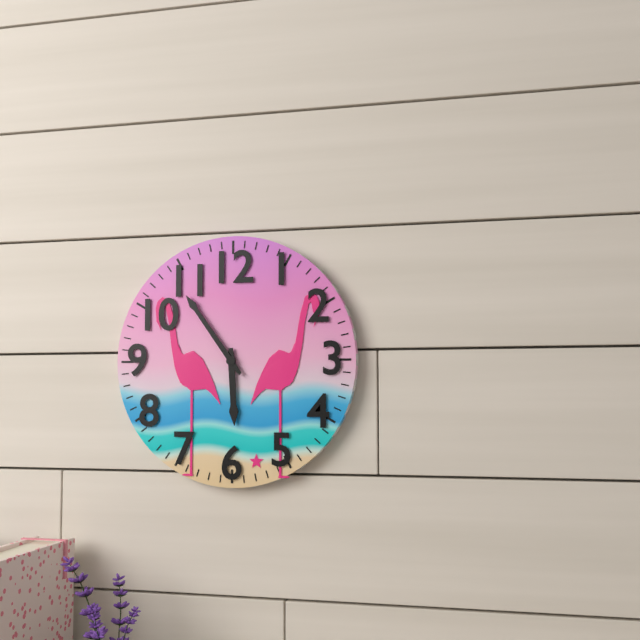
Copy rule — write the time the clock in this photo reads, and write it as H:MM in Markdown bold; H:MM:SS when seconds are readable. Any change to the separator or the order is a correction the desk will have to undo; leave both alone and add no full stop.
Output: **5:54**
